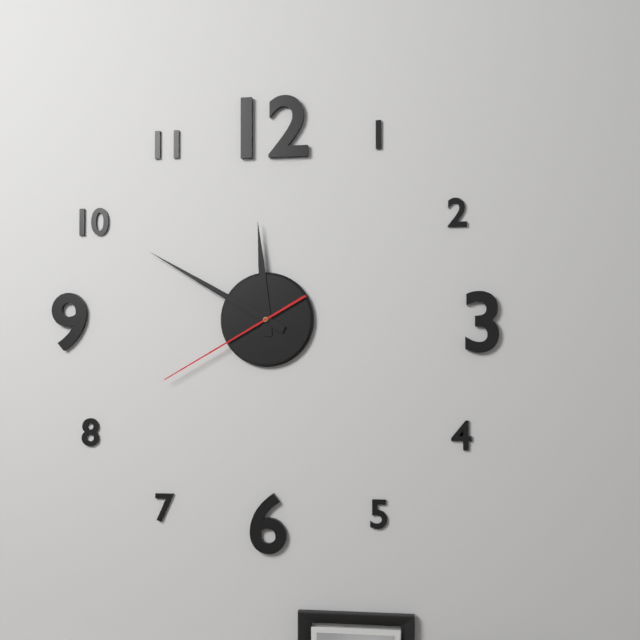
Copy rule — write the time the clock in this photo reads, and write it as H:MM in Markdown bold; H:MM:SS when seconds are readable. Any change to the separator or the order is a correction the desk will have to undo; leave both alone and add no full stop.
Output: **11:50:40**
